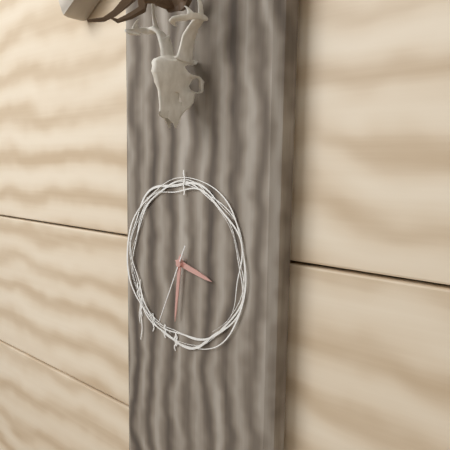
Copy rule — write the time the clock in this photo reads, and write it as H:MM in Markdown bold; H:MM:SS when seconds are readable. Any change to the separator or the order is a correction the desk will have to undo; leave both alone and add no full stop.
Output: **3:31:34**
